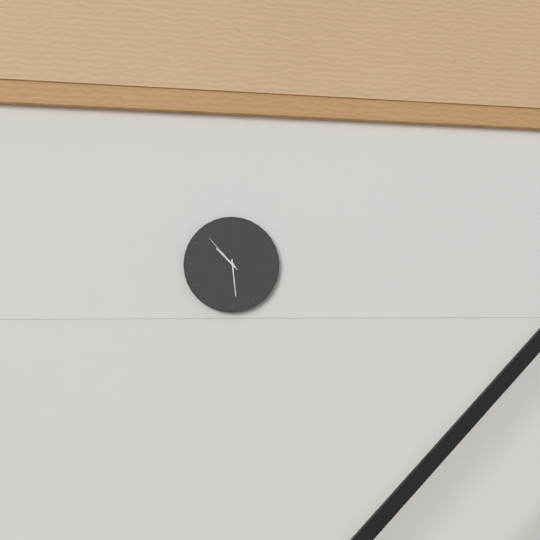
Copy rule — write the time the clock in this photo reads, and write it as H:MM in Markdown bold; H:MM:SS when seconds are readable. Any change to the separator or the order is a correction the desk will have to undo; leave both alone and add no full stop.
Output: **10:29**
